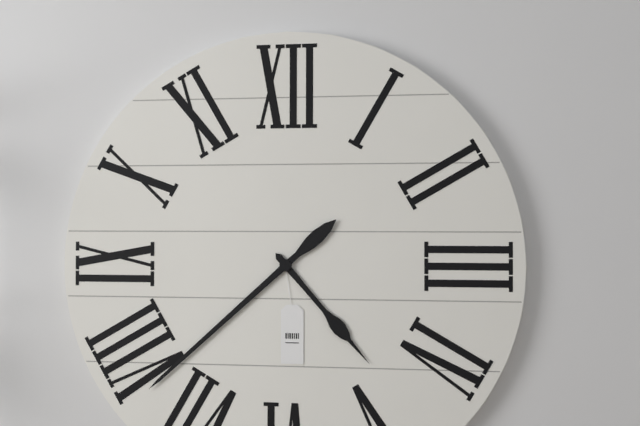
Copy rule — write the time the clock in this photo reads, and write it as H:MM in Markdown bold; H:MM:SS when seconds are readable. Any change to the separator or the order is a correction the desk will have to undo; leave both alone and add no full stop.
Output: **4:38**
